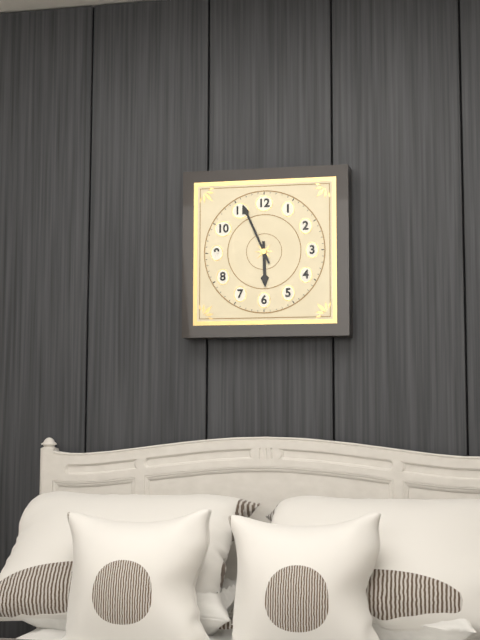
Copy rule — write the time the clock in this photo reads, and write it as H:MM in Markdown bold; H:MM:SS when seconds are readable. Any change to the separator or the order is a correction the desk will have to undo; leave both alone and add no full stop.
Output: **5:56**
